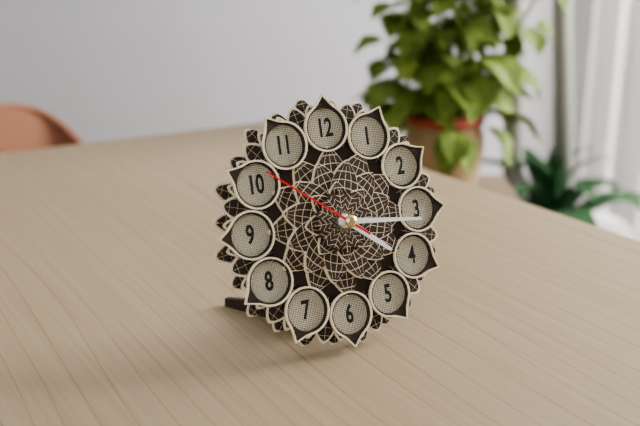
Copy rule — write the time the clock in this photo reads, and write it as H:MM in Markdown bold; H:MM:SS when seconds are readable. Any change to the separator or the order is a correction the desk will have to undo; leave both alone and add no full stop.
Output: **4:16:51**
